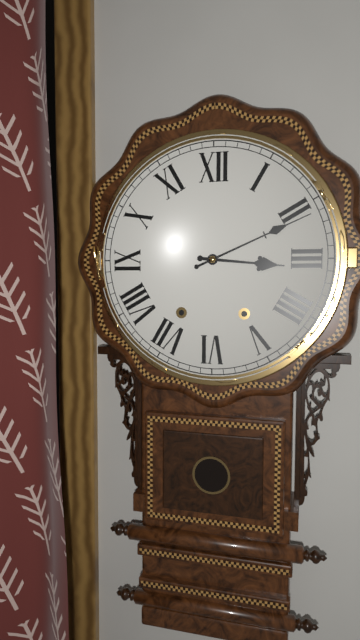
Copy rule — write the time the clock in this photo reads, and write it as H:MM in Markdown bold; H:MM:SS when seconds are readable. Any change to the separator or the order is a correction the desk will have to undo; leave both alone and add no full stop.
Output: **3:11**
